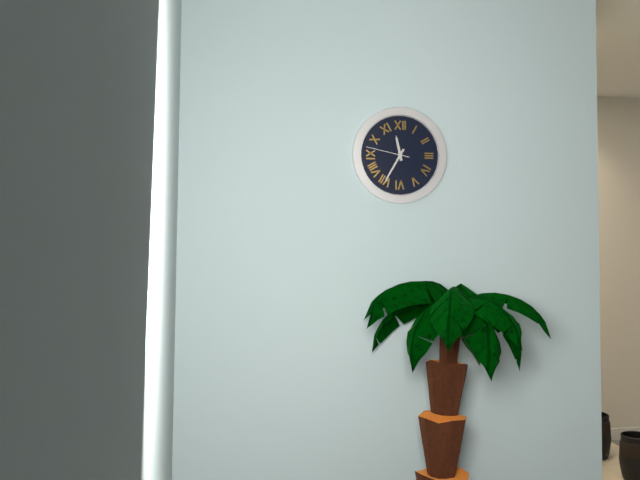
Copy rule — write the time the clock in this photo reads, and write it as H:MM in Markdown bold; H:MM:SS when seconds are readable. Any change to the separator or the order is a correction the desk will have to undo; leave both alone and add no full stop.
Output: **11:35**
